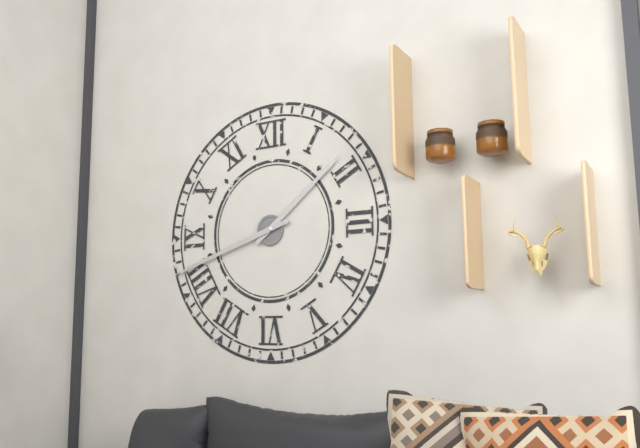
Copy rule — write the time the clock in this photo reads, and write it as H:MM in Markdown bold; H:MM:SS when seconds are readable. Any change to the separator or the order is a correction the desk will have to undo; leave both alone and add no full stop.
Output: **1:42**
